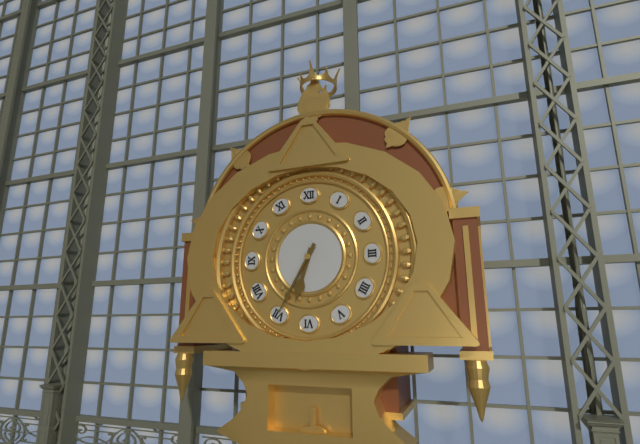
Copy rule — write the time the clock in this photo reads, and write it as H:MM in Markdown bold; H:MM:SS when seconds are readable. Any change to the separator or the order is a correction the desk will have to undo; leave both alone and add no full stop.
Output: **6:35**
